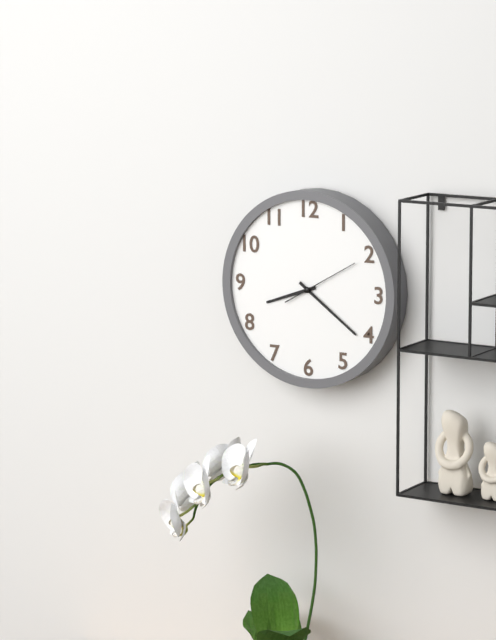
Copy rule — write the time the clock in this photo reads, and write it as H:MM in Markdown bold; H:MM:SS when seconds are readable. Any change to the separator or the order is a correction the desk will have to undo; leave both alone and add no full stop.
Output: **8:21:10**
